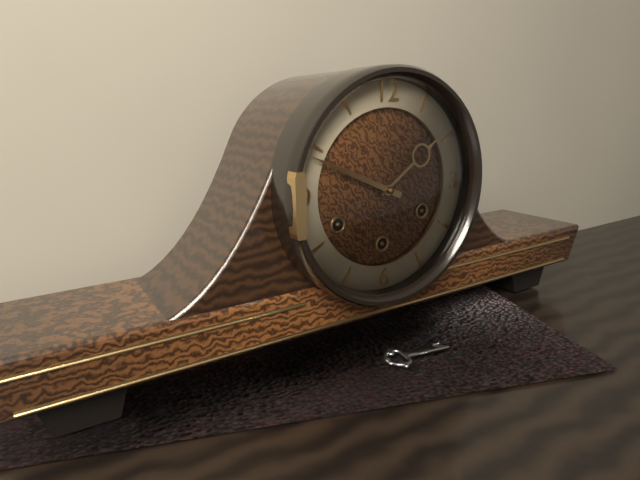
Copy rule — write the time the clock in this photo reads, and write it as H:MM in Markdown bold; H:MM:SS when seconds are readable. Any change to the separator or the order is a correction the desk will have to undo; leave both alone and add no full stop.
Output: **1:49**
